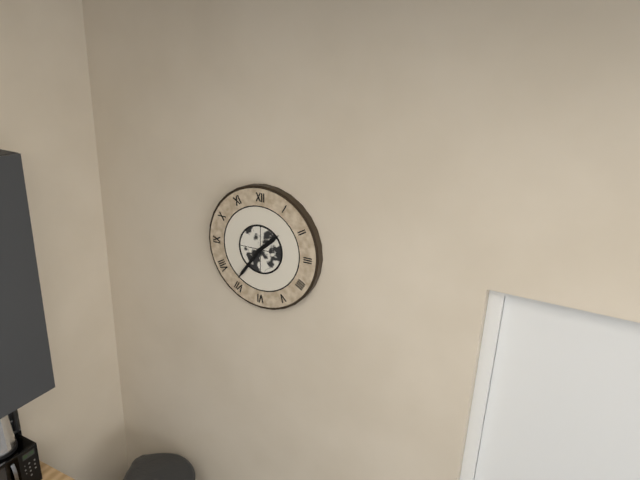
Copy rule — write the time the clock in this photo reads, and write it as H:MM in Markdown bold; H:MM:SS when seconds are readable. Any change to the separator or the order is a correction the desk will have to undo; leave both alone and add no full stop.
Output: **1:36**
